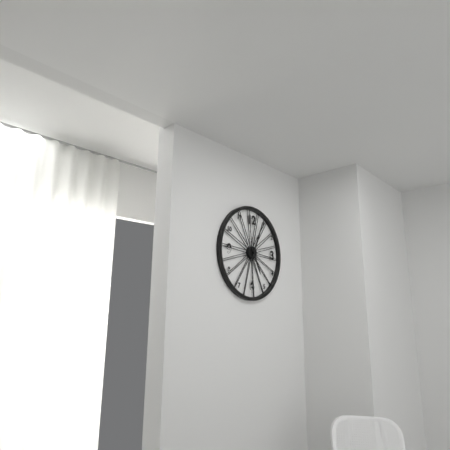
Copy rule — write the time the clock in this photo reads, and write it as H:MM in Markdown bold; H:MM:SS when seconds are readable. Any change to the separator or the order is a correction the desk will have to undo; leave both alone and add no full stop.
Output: **5:04**
